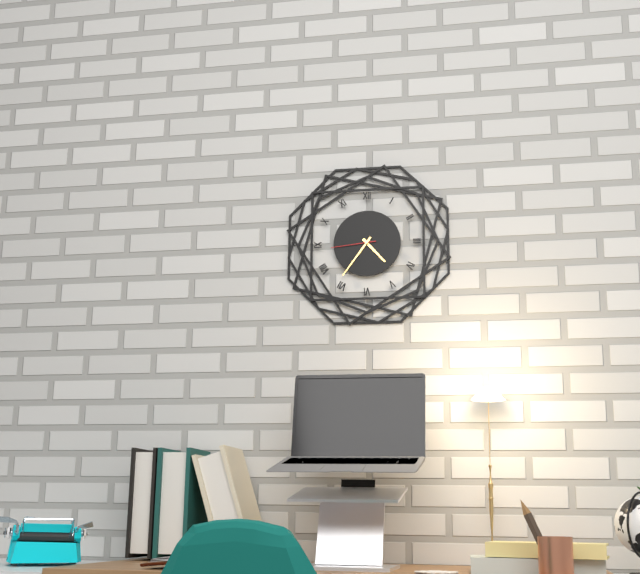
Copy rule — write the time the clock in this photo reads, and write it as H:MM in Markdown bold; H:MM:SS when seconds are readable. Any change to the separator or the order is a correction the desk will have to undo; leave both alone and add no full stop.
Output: **4:36**
